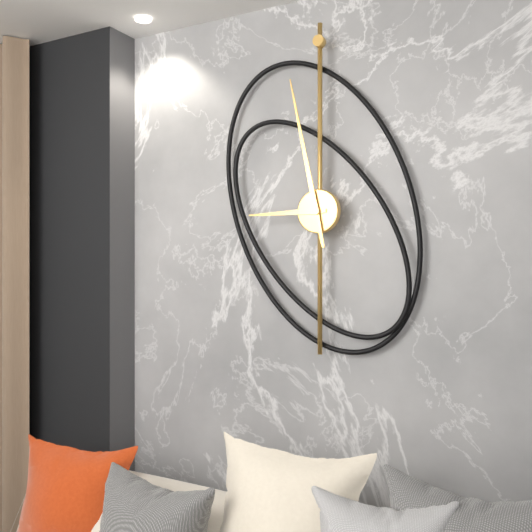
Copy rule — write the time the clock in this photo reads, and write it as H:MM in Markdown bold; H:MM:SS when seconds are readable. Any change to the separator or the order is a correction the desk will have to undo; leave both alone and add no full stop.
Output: **8:58**
